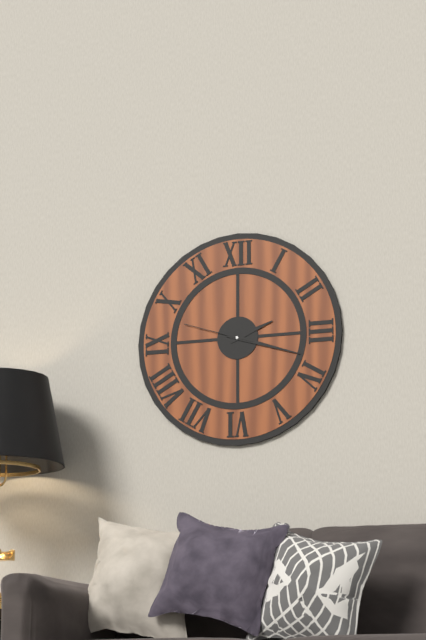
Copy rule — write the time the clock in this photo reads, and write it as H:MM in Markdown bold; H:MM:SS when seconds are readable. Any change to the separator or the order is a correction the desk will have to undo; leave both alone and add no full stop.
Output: **2:18:48**
